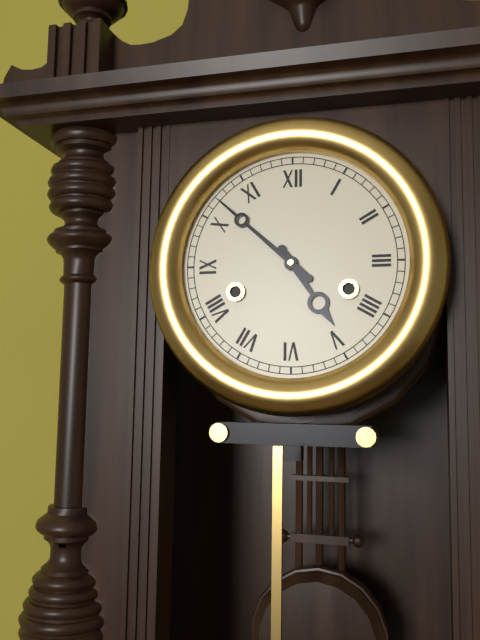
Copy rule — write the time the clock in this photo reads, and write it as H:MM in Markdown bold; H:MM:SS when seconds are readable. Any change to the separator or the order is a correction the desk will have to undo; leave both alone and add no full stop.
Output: **4:52**
